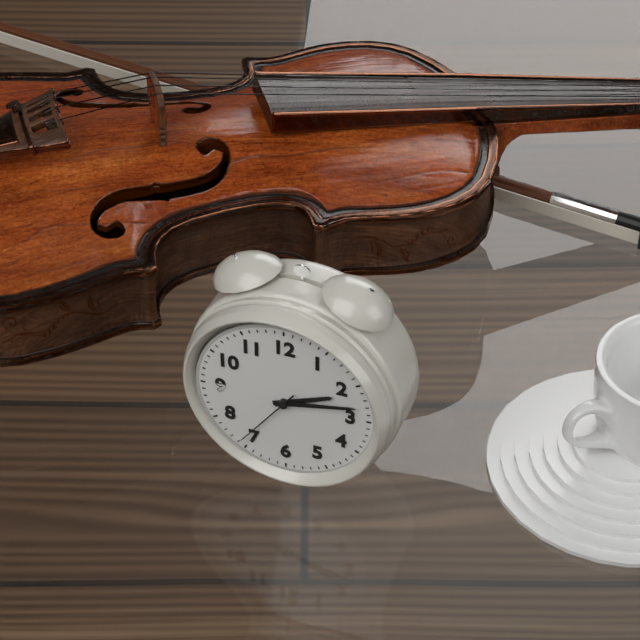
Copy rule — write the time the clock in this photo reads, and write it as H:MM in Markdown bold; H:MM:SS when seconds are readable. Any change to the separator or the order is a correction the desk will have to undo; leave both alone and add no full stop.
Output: **2:13:36**
